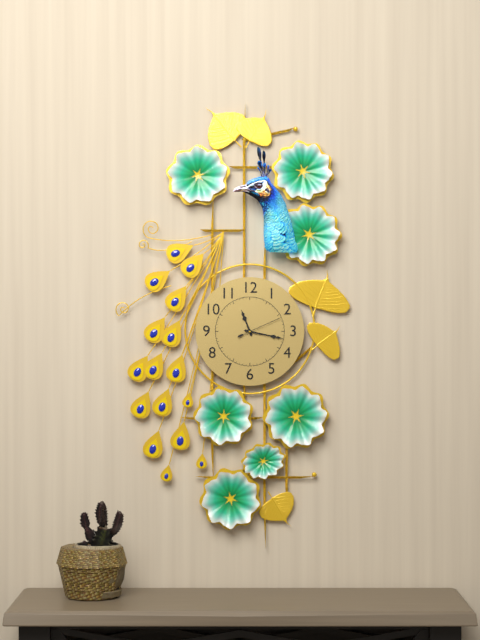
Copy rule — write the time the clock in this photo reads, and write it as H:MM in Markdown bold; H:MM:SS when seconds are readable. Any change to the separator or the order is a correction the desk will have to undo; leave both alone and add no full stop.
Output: **11:17**
